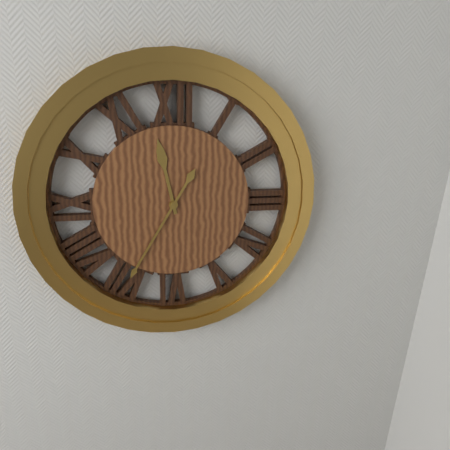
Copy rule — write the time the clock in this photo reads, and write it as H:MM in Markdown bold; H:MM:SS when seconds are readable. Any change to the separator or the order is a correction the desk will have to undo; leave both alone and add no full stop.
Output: **11:35**
